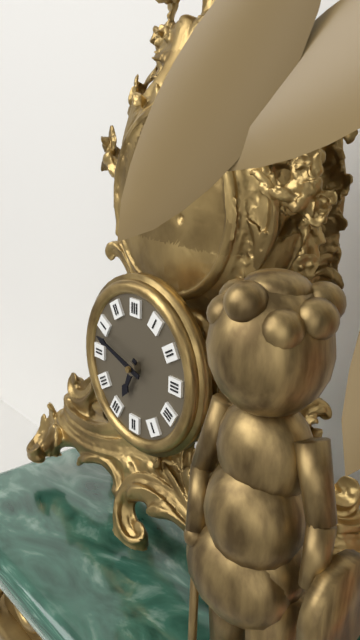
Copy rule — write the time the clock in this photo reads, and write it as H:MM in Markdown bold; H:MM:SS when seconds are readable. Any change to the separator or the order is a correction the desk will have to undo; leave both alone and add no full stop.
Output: **6:48**
